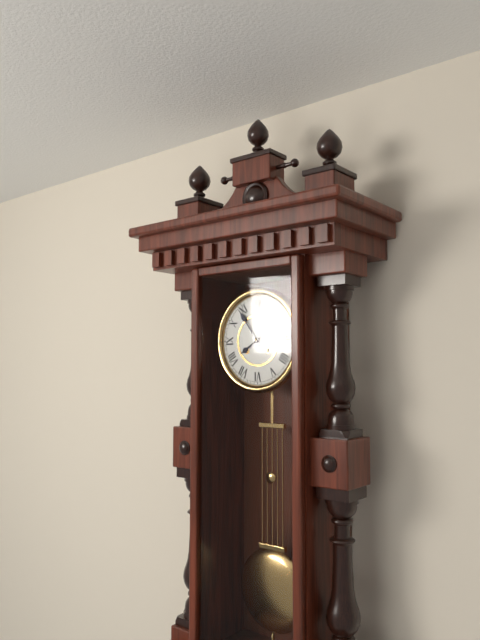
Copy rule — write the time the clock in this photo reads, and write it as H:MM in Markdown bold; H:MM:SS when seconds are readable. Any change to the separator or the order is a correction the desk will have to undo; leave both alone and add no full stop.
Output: **7:54**
